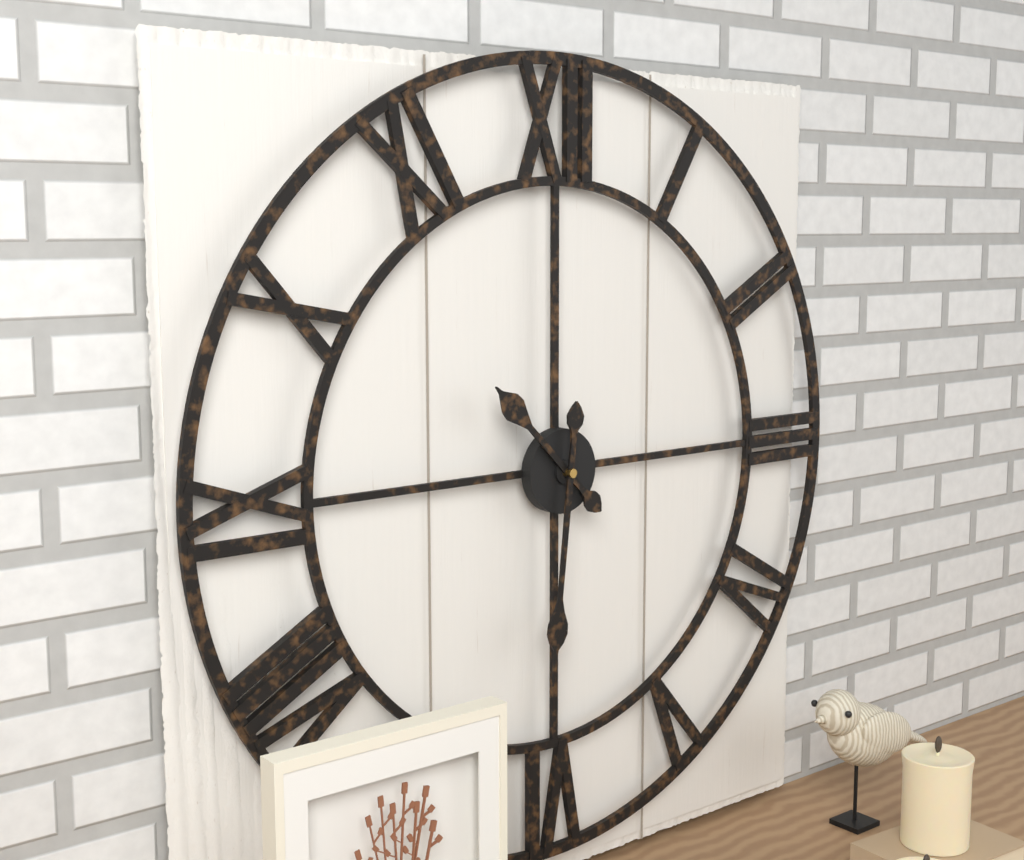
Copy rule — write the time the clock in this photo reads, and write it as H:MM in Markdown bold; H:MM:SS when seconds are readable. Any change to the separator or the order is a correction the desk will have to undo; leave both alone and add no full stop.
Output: **10:31**
